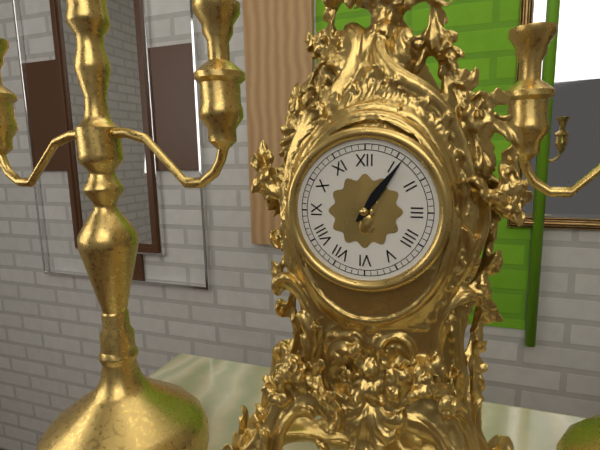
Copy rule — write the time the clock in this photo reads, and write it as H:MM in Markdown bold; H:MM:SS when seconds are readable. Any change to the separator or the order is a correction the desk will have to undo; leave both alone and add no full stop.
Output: **1:06**
